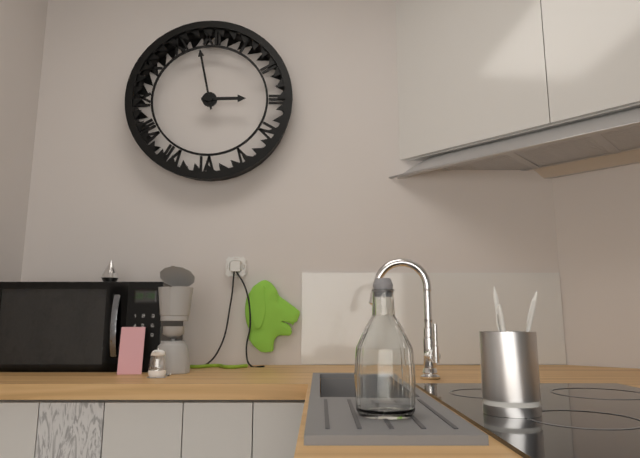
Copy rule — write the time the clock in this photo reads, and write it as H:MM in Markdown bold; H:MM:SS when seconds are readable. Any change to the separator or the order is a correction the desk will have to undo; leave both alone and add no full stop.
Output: **2:58**
